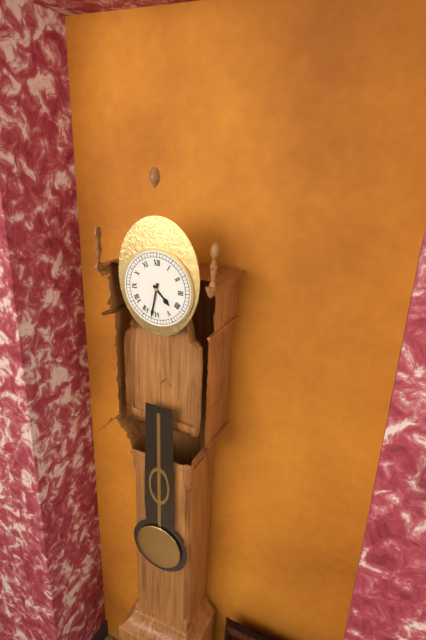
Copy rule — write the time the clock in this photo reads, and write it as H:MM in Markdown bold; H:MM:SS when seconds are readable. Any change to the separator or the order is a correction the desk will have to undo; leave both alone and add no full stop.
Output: **4:32**
